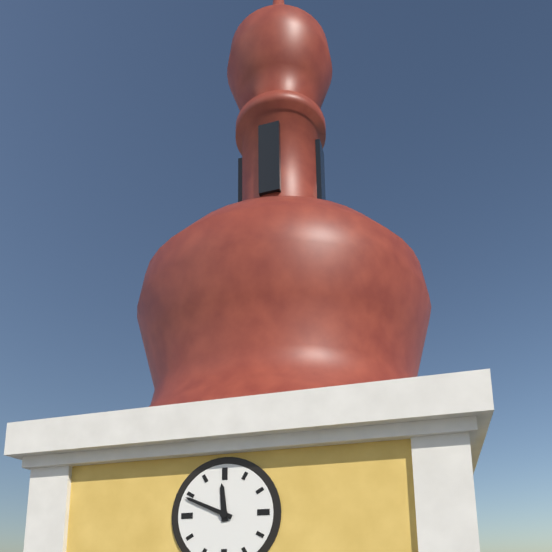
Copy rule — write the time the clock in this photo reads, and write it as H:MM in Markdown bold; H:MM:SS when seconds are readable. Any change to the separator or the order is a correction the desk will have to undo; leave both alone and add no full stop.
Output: **11:49**
